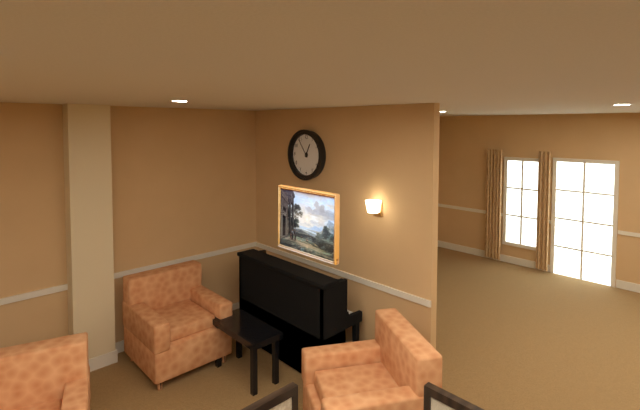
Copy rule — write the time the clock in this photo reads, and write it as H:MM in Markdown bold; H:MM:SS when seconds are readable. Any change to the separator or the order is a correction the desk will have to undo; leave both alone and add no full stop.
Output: **12:54**
